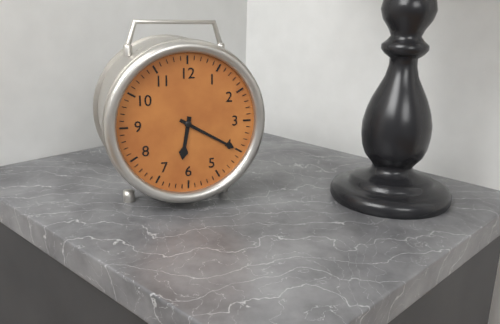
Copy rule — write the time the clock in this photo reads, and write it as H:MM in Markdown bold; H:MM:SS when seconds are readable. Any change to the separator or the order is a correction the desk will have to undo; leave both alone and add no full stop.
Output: **6:20**
